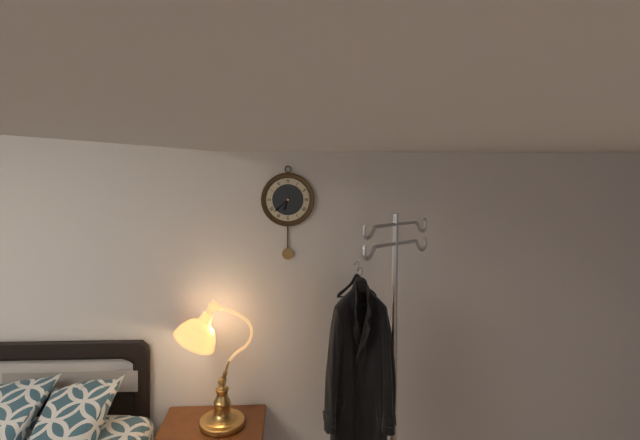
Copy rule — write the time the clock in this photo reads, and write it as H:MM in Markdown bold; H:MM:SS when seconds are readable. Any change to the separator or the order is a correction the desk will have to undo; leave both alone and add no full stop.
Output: **6:38**
